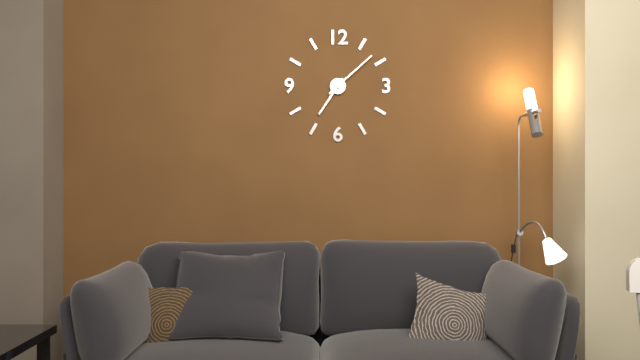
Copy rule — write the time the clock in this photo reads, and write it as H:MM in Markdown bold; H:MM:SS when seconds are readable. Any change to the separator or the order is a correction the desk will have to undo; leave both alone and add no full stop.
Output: **7:08**
